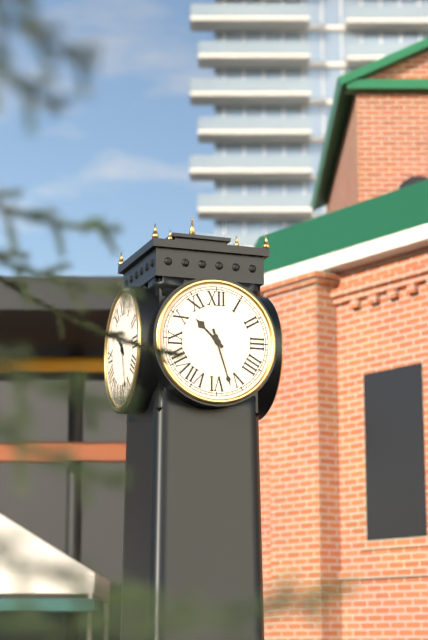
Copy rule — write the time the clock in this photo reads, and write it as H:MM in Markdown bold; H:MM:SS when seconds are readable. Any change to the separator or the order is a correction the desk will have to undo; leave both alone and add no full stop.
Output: **10:27**
